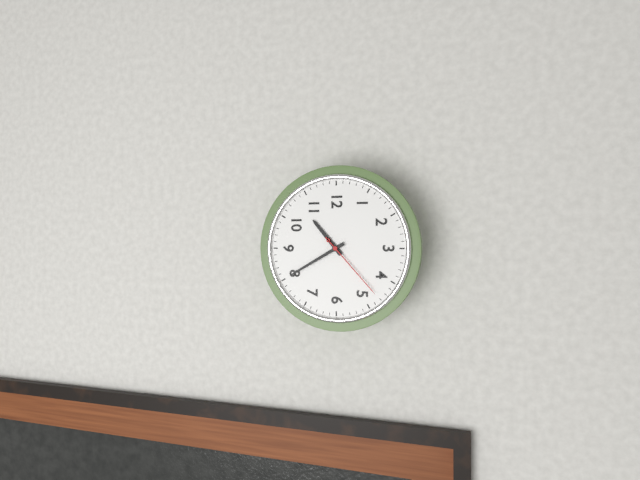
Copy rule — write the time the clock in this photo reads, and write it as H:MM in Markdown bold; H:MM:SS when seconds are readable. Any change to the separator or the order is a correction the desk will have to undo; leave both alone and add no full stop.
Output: **10:40:23**
